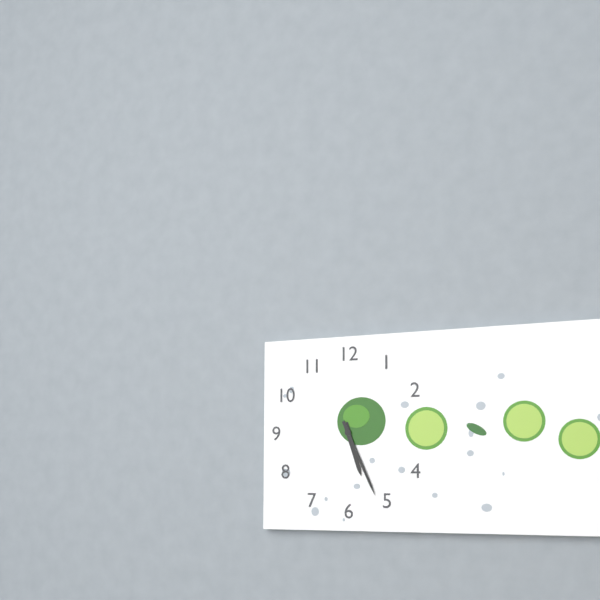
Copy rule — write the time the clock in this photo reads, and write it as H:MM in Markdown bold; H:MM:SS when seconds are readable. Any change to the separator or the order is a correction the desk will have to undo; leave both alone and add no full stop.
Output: **5:26**
